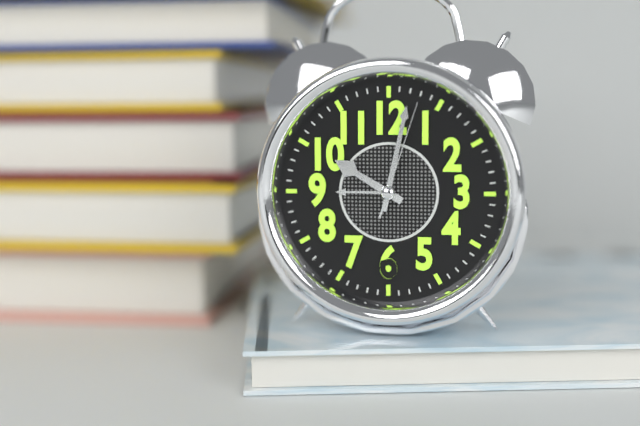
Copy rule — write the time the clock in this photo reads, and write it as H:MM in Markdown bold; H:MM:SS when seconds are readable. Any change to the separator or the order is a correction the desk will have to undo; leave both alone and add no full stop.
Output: **10:02:03**
